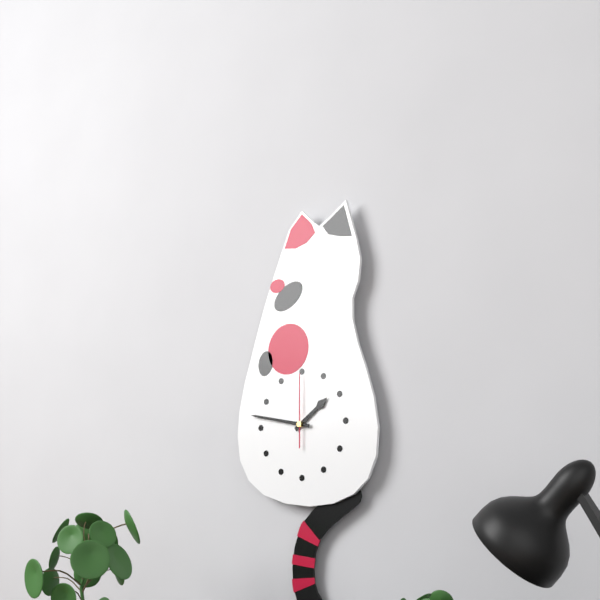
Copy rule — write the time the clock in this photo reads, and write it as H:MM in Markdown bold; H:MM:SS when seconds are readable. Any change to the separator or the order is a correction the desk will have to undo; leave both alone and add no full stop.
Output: **1:47:00**
